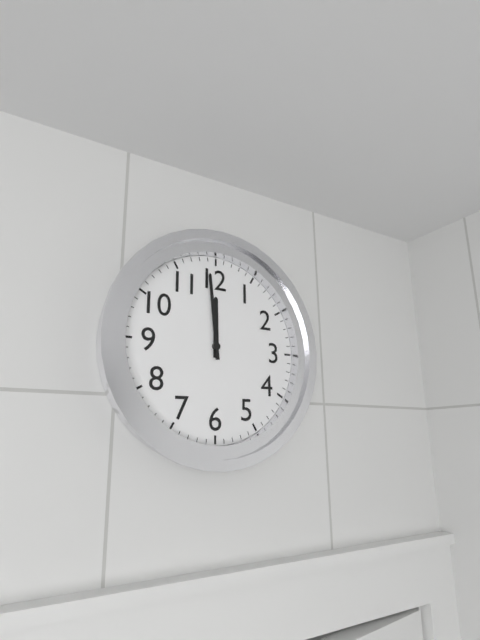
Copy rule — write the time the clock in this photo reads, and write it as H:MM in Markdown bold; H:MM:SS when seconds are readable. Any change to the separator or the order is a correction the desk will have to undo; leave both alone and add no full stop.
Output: **11:59**
